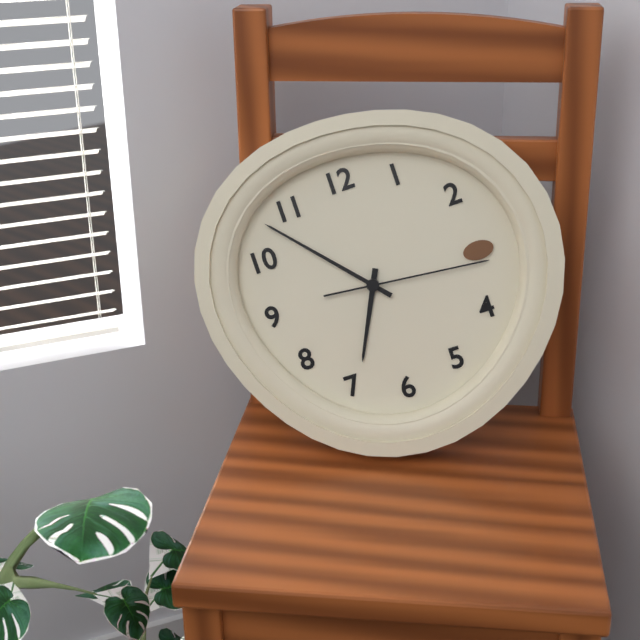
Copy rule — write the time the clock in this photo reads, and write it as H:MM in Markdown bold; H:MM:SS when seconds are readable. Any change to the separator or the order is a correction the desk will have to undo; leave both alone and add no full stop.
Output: **6:53:16**
